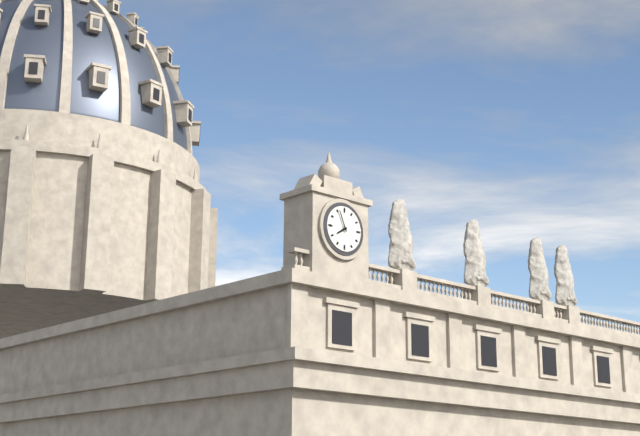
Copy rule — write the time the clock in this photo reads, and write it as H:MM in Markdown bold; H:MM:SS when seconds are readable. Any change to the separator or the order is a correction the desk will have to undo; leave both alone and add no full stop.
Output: **7:56**
